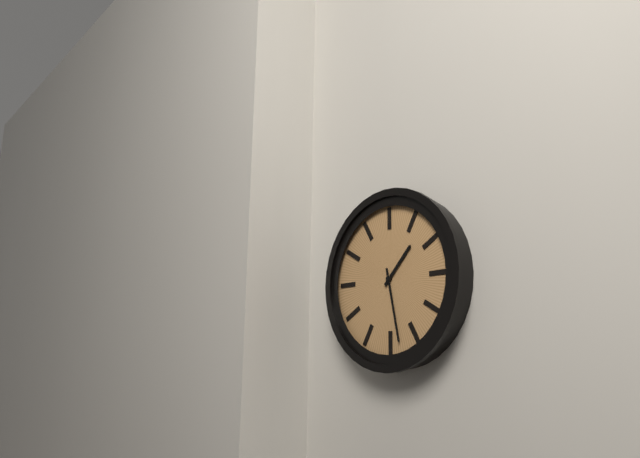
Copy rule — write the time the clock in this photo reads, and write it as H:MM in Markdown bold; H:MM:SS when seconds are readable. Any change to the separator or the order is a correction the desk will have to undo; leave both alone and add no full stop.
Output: **1:28**
